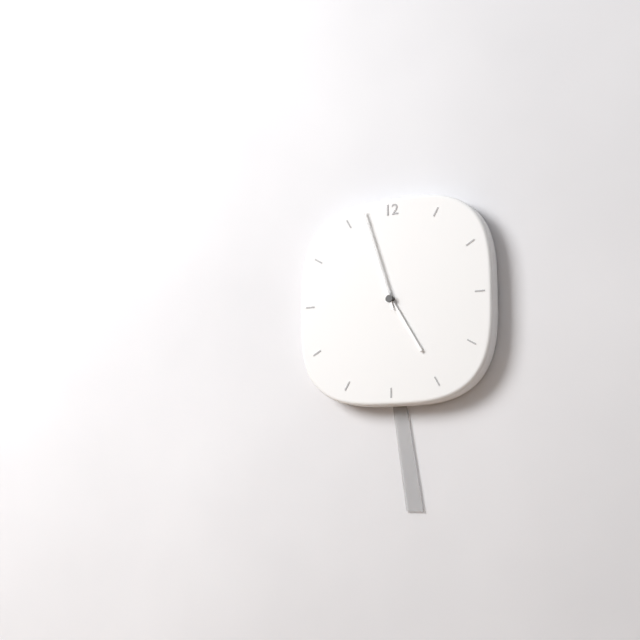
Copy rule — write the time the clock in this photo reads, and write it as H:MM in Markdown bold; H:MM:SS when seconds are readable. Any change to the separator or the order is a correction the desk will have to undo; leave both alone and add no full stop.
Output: **4:57**
